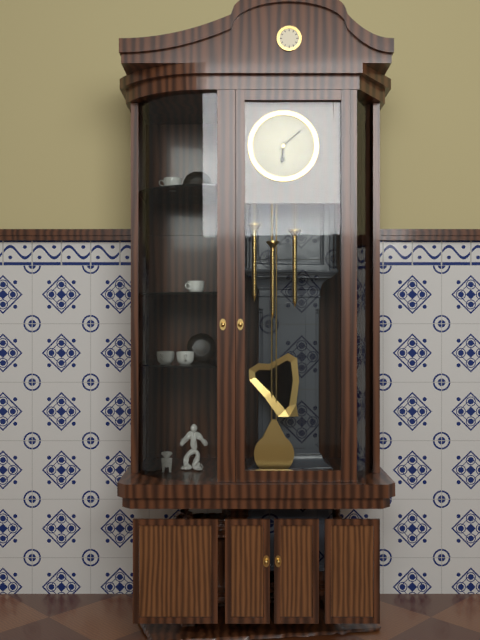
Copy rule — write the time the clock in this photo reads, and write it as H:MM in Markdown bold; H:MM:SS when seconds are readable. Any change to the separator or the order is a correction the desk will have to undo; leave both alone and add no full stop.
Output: **6:08**
